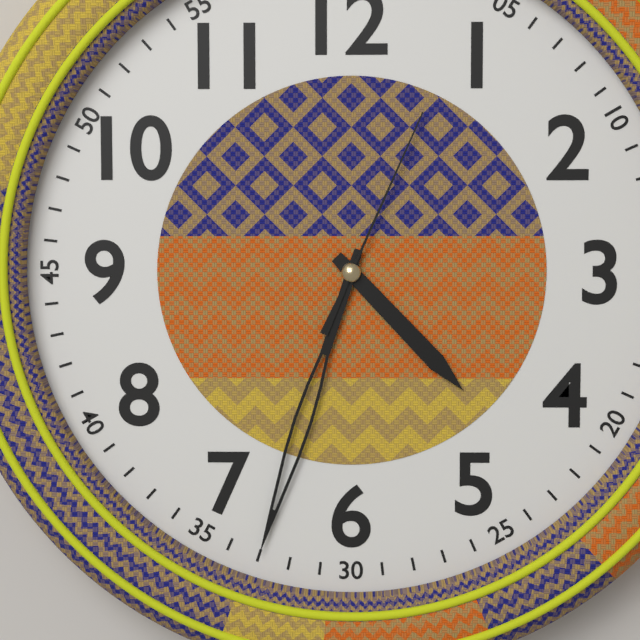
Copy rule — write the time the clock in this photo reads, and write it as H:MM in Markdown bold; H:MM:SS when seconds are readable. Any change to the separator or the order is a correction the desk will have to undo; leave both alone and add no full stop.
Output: **4:33:04**
